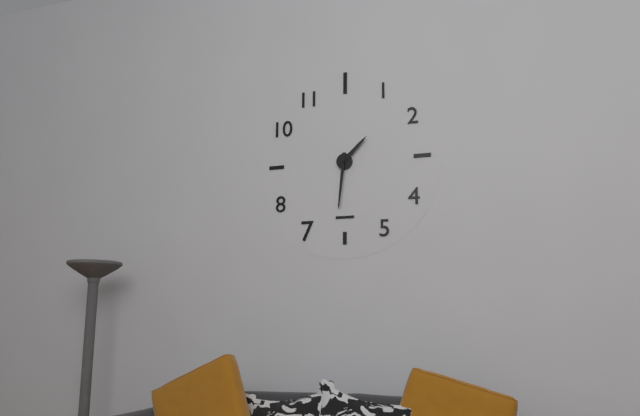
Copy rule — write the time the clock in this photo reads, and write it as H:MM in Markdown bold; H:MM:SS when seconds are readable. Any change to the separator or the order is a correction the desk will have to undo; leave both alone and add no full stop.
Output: **1:31**
